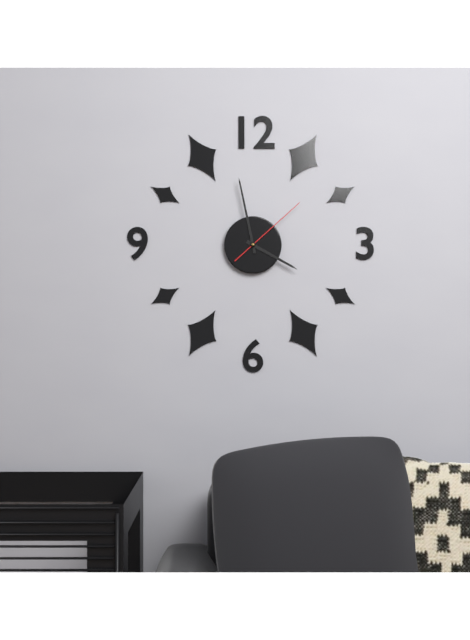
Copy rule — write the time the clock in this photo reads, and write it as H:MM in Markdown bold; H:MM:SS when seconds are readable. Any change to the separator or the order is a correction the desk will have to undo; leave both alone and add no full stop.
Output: **3:58:08**
